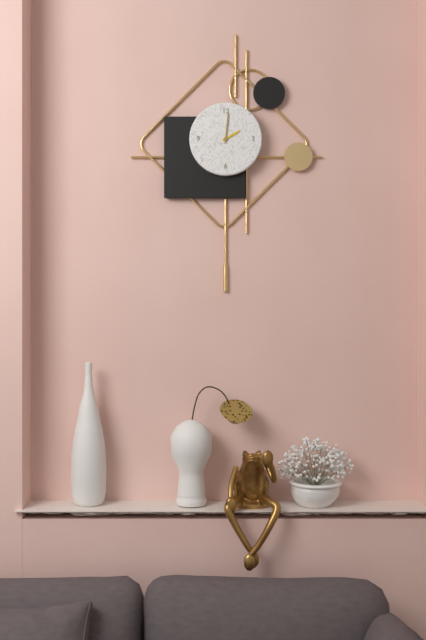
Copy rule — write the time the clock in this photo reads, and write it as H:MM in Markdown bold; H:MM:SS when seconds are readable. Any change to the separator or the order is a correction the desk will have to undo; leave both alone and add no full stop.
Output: **2:01**
